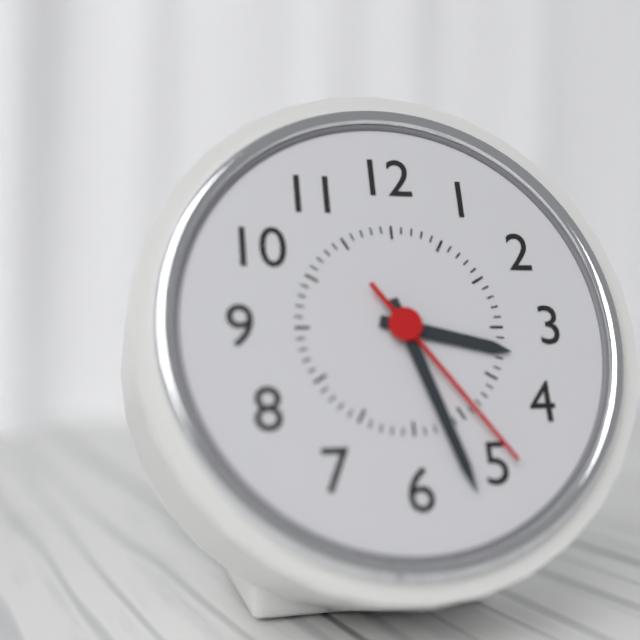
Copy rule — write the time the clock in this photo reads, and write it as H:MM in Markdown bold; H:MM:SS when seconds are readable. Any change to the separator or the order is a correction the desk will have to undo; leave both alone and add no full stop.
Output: **3:27:24**
